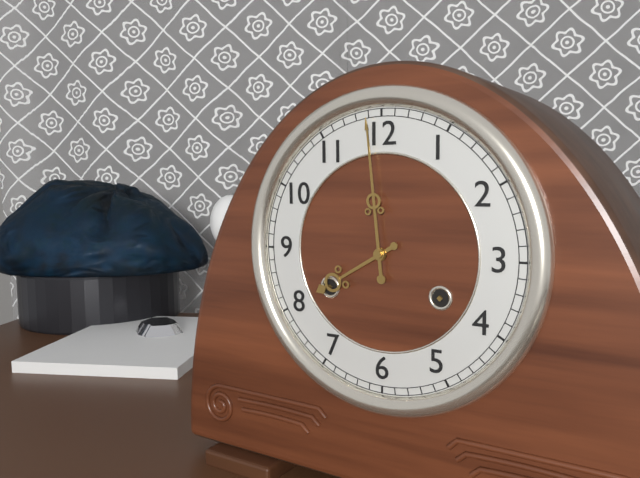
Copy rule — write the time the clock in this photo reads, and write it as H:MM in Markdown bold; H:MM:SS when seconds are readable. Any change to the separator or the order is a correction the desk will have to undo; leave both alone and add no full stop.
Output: **7:59**
